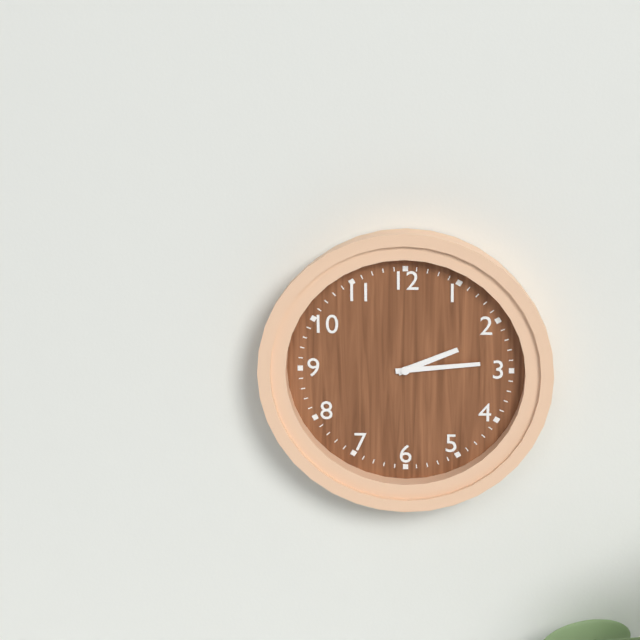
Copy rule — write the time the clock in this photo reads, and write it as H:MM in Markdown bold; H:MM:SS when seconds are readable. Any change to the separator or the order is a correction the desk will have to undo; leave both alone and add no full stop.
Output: **2:14**
